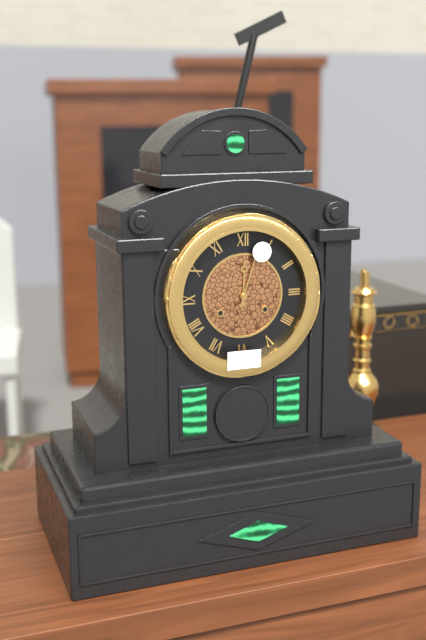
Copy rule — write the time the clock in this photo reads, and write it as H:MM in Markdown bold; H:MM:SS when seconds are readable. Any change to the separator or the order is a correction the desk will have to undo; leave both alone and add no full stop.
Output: **12:03**
